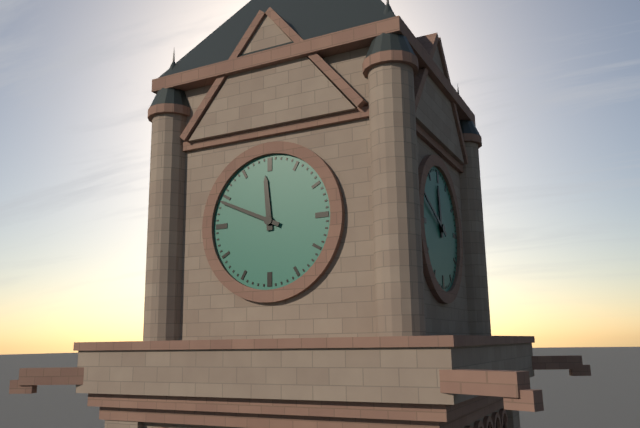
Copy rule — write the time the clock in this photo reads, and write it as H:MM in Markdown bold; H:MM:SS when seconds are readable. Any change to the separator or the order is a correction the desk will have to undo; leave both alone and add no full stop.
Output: **11:49**
